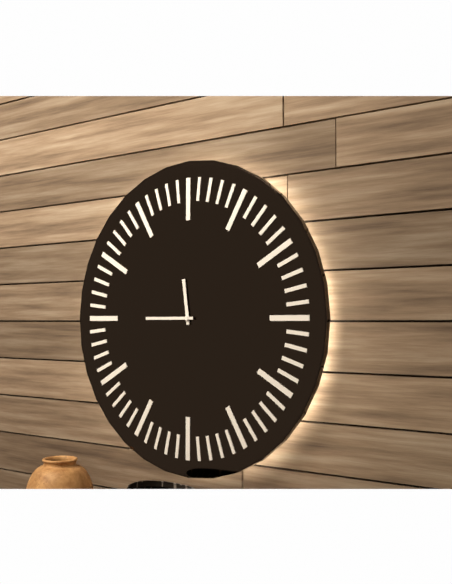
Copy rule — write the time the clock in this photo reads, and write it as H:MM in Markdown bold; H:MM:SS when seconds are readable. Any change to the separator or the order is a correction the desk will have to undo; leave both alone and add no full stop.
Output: **11:45**
